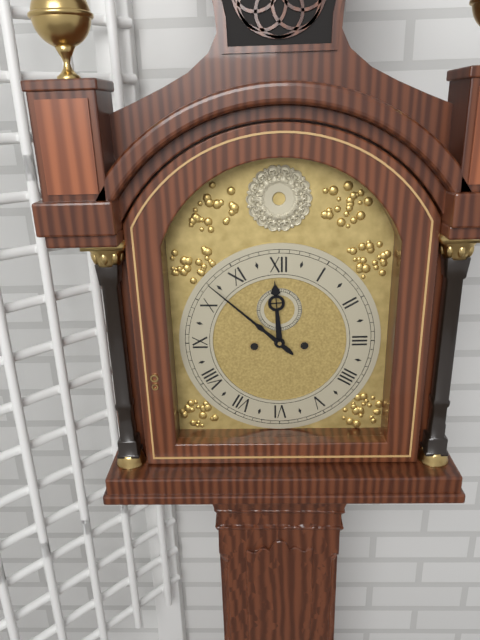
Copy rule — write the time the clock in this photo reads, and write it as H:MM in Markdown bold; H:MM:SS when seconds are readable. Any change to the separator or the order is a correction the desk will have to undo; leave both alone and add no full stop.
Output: **11:52**
